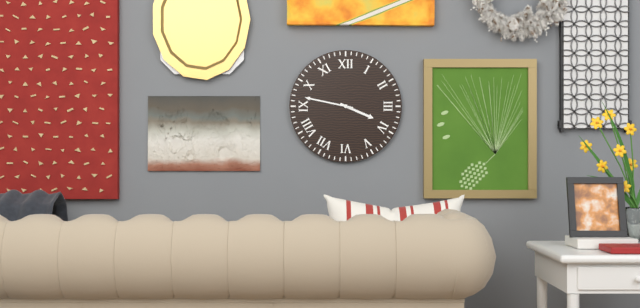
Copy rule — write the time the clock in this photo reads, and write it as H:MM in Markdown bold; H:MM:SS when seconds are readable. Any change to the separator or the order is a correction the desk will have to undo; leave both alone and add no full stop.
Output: **3:47**
